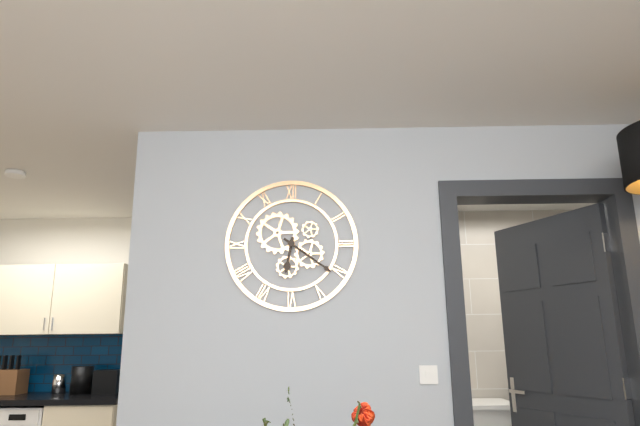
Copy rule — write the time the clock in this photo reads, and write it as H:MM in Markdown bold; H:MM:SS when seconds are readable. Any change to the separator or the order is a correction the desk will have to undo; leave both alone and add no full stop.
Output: **6:21**
